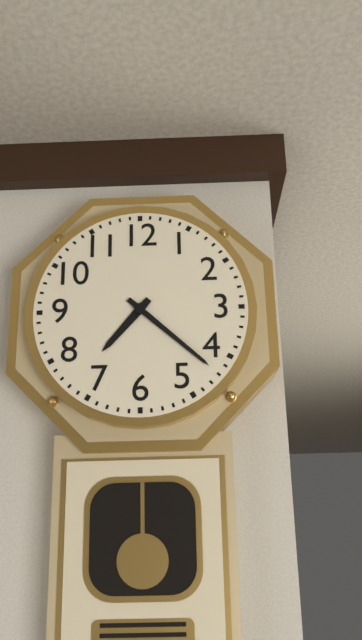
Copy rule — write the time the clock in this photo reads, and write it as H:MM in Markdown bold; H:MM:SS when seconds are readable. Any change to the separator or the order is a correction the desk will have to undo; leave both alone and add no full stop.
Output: **7:22**
